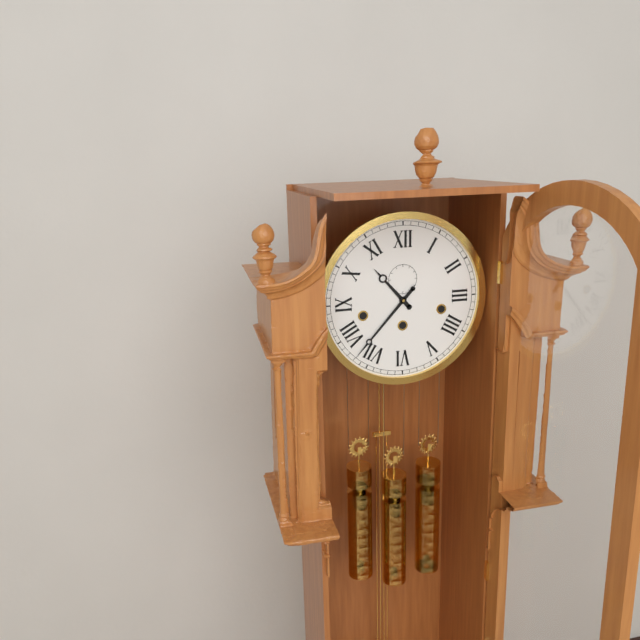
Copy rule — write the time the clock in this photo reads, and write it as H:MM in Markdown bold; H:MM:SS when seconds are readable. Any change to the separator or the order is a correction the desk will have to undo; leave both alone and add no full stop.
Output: **10:37**
